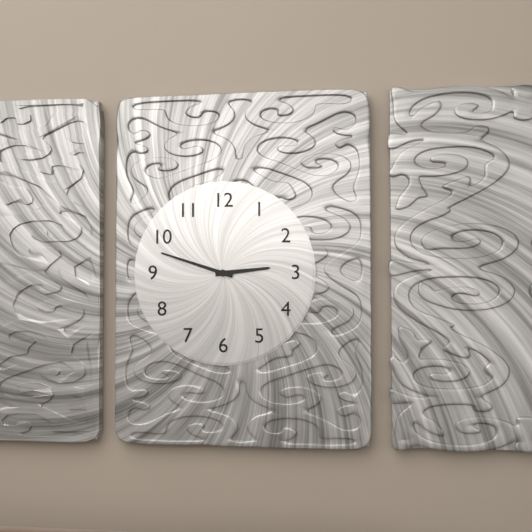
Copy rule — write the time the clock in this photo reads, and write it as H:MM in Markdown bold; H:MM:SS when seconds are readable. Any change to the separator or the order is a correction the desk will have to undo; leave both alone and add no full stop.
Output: **2:48**
